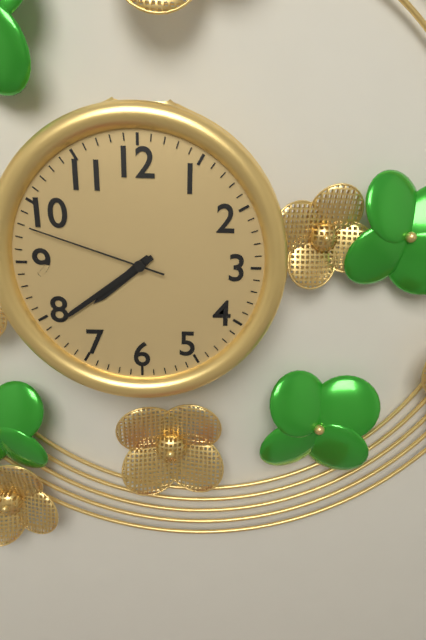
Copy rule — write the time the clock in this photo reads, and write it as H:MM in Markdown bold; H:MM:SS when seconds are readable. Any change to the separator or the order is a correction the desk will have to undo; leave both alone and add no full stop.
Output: **7:39:48**
